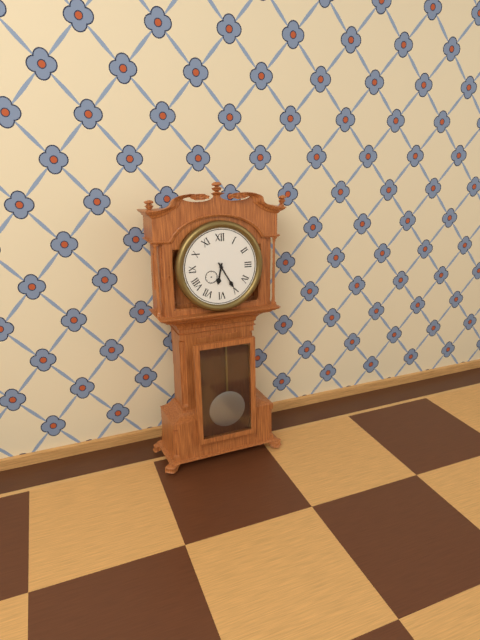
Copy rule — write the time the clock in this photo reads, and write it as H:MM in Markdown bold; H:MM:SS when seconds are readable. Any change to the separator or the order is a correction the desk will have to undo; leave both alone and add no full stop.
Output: **6:25**
